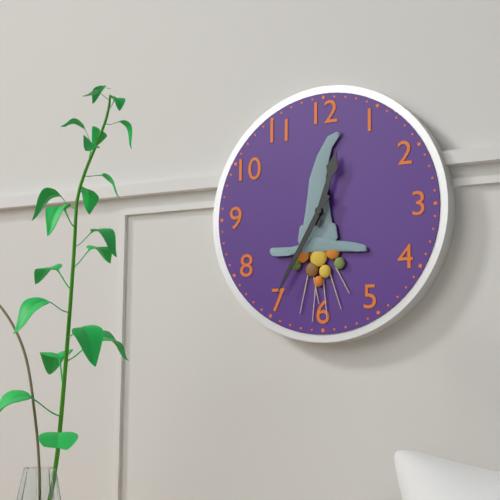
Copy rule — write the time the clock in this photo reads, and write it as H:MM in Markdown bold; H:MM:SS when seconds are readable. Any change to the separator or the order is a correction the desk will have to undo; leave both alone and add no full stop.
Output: **12:35**
